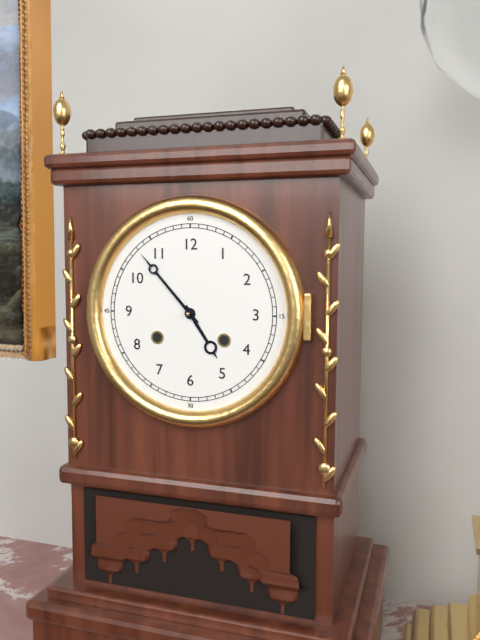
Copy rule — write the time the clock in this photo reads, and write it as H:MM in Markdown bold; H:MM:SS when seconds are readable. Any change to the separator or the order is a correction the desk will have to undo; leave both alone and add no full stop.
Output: **4:53**
